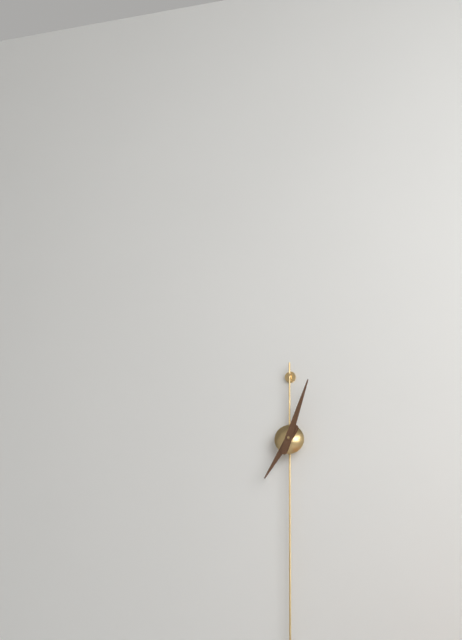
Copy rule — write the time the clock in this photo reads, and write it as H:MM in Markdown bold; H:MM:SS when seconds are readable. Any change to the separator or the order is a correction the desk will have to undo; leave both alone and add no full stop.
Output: **7:03**
